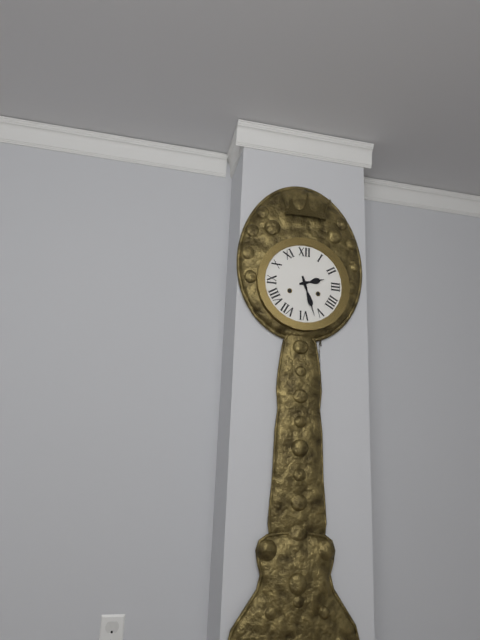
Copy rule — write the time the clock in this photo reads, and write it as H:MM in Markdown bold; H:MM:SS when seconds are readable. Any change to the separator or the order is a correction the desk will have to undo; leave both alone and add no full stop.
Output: **2:27**
